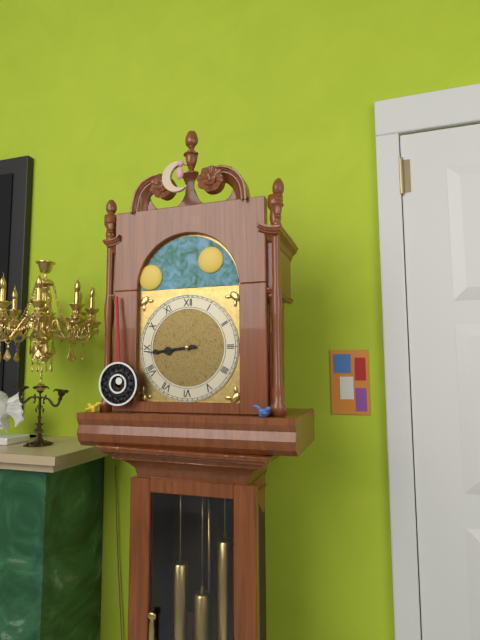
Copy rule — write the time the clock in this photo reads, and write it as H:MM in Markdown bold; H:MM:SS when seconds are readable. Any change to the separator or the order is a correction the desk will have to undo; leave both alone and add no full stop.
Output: **8:44**
